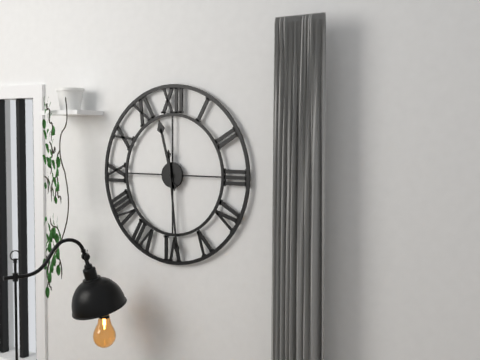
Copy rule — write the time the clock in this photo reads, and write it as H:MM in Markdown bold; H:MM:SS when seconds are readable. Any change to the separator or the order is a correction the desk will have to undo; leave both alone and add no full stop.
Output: **11:29**
